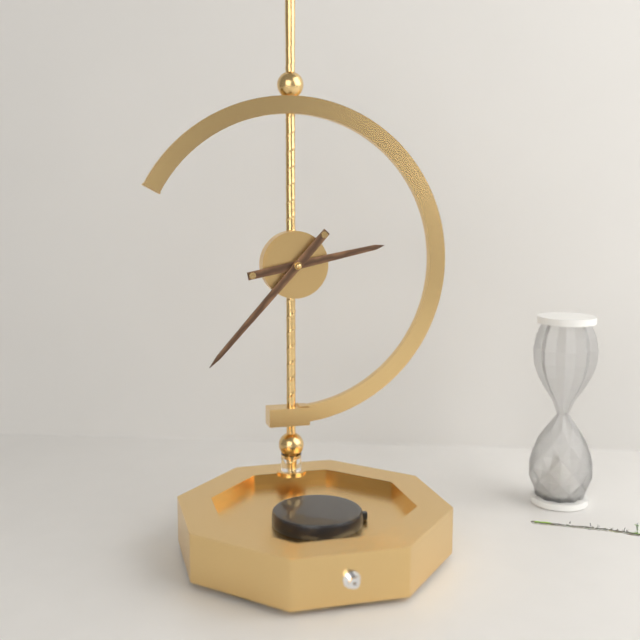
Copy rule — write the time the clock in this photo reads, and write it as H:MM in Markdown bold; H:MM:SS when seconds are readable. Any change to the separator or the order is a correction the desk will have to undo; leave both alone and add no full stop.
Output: **2:37**
